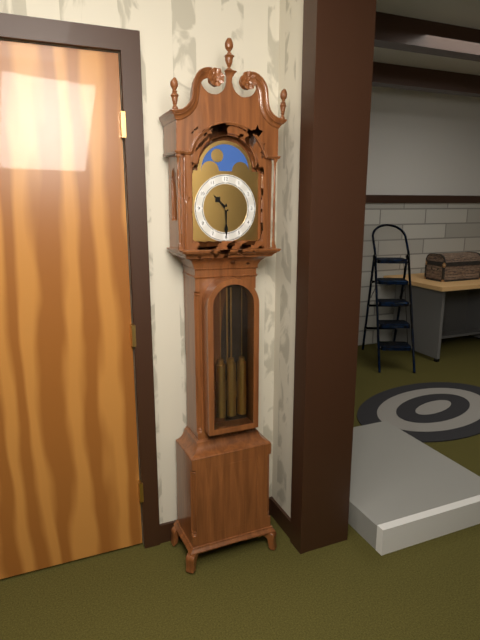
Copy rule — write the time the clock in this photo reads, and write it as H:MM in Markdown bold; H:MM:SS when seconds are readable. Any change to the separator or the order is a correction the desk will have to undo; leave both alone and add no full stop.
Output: **10:30**
